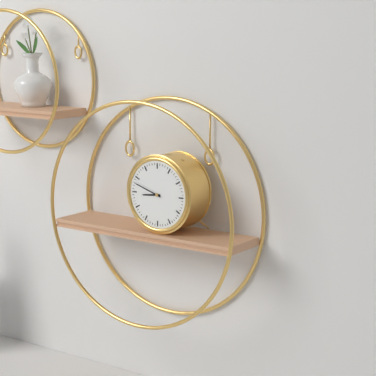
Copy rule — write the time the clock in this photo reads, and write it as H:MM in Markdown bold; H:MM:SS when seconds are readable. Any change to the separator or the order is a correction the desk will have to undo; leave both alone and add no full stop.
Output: **8:48**
